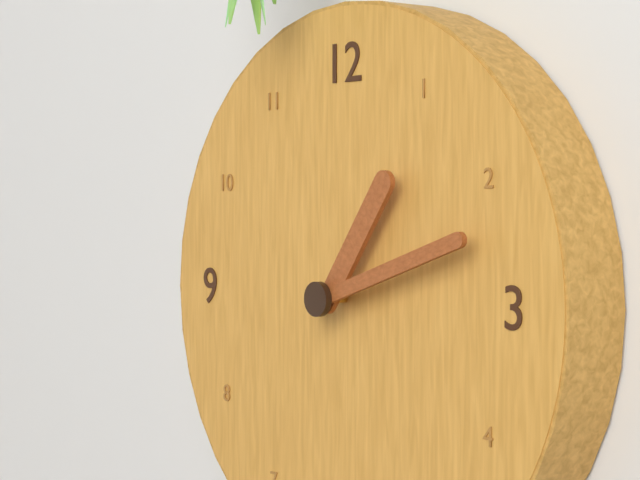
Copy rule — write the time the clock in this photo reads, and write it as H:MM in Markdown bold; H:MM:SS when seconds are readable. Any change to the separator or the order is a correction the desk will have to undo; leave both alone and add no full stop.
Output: **1:12**
